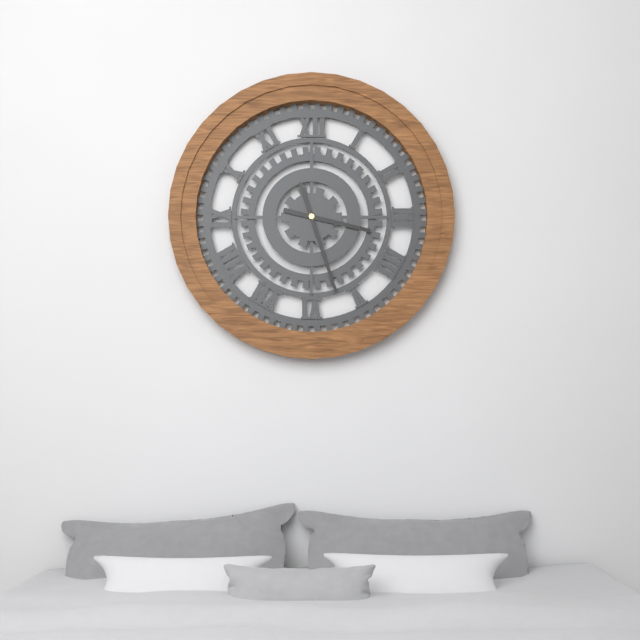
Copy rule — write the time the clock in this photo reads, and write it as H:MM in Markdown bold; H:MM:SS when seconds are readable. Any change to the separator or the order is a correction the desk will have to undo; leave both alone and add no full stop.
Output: **3:27**
